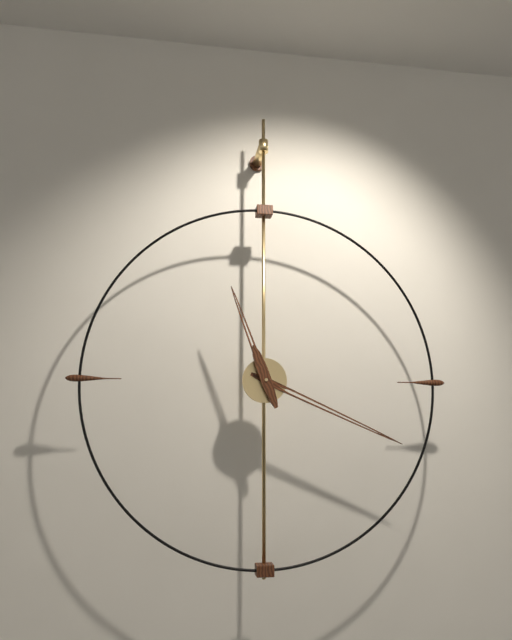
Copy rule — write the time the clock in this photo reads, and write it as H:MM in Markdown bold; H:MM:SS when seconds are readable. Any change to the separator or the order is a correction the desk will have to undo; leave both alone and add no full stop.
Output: **11:19**
